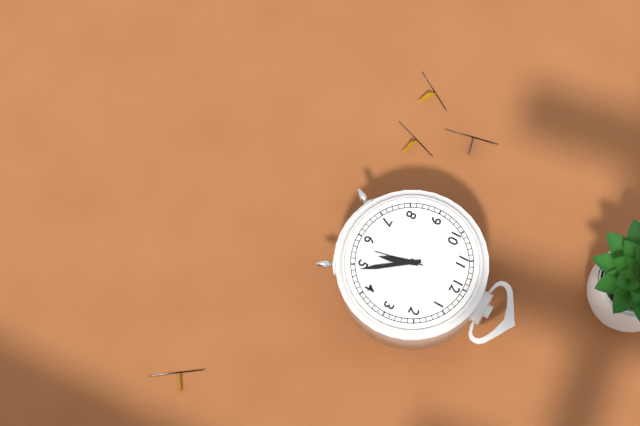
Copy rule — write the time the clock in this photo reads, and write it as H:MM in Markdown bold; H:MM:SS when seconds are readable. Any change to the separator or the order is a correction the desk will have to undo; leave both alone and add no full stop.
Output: **5:24**
